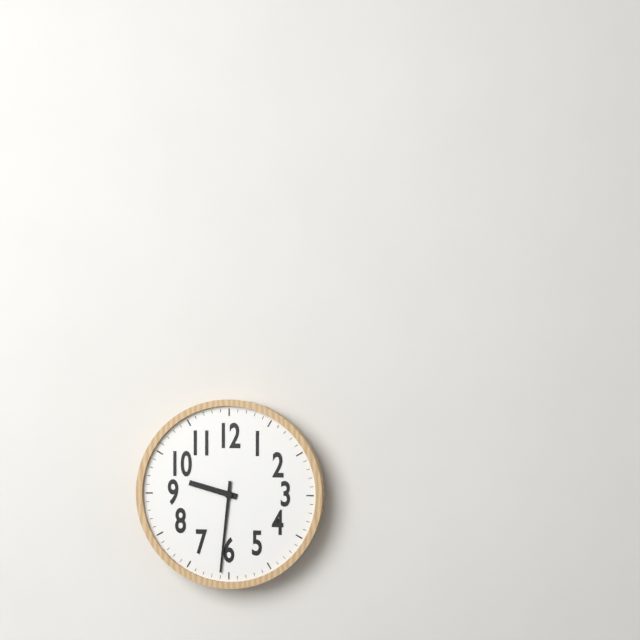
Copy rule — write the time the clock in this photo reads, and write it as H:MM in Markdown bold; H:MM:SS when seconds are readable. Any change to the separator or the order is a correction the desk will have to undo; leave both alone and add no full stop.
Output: **9:31**
